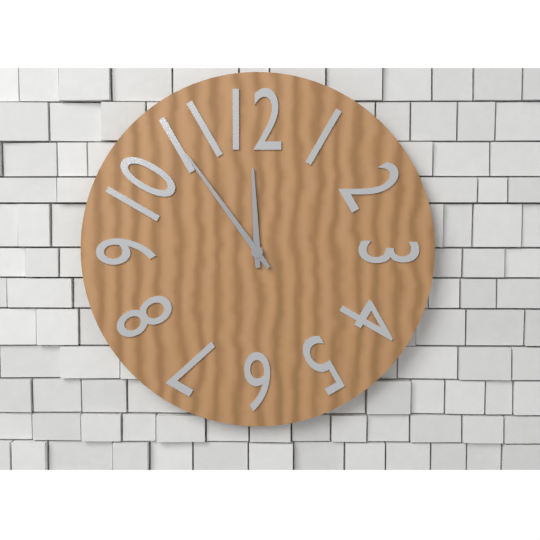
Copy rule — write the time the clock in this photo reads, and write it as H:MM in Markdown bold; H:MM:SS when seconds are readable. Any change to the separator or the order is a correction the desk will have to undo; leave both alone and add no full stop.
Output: **11:54**
